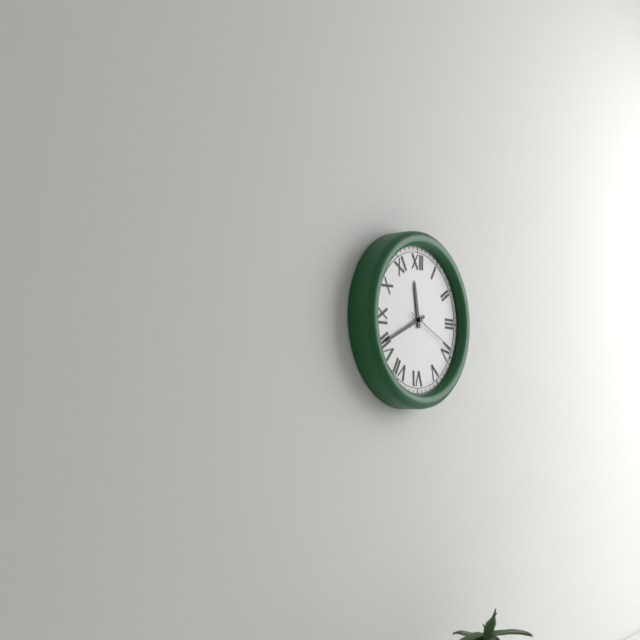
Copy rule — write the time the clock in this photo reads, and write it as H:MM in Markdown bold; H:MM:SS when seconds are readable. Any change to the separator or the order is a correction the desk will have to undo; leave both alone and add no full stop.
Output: **11:41:19**
